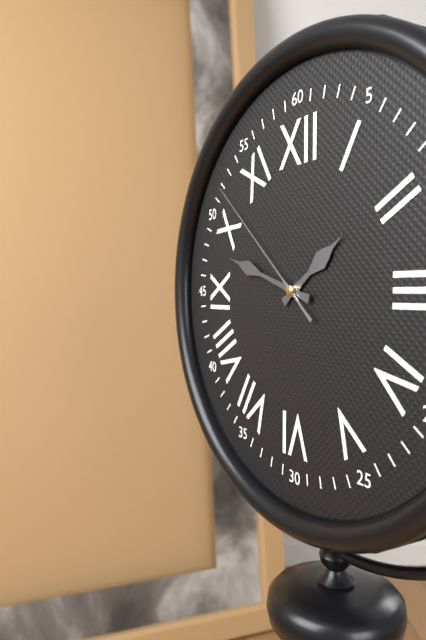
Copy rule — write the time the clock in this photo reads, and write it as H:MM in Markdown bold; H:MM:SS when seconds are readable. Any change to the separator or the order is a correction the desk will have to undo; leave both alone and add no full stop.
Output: **1:48:52**
